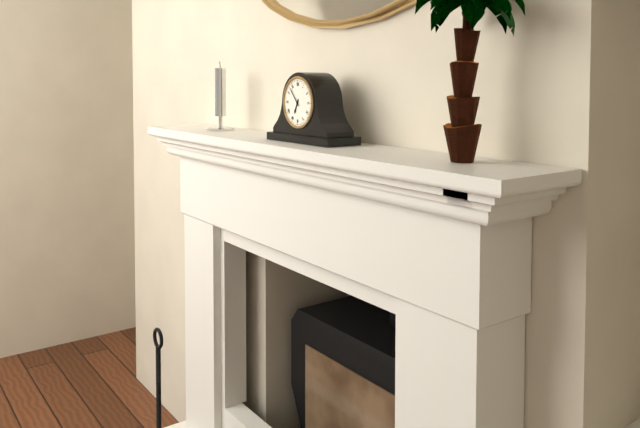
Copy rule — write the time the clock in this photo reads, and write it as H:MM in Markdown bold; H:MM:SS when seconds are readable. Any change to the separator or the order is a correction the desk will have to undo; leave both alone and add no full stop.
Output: **6:53**
